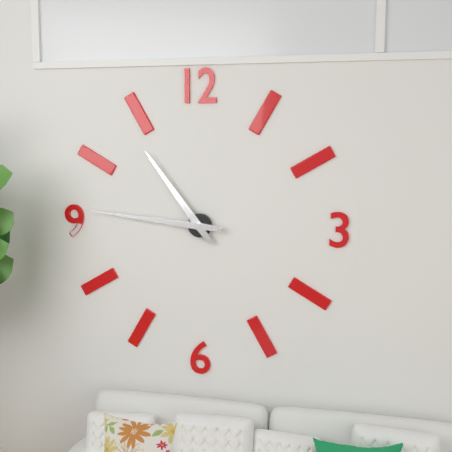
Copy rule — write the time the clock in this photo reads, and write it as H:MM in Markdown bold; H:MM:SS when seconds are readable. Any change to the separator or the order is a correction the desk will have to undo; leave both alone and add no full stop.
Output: **10:46**
